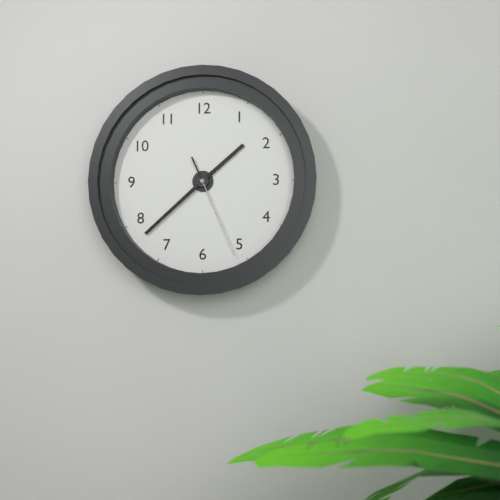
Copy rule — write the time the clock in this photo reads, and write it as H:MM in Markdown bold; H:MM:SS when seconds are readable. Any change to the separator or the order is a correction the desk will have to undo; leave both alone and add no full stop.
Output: **1:38:26**
